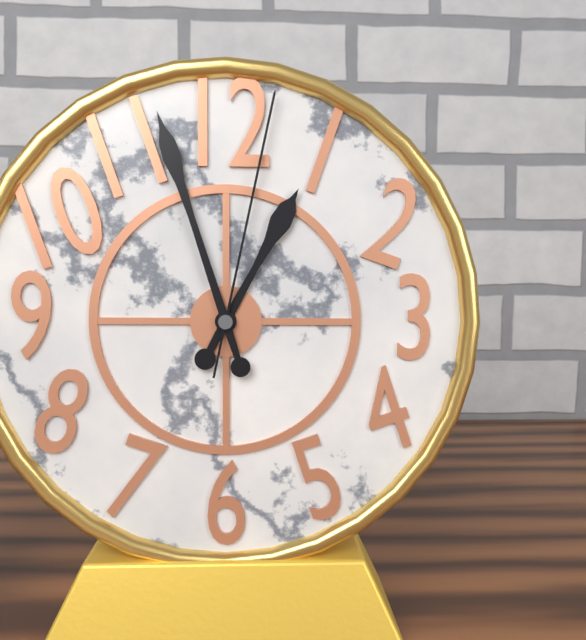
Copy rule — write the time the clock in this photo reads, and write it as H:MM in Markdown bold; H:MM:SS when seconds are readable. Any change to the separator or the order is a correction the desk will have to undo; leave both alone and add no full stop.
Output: **12:57:02**
